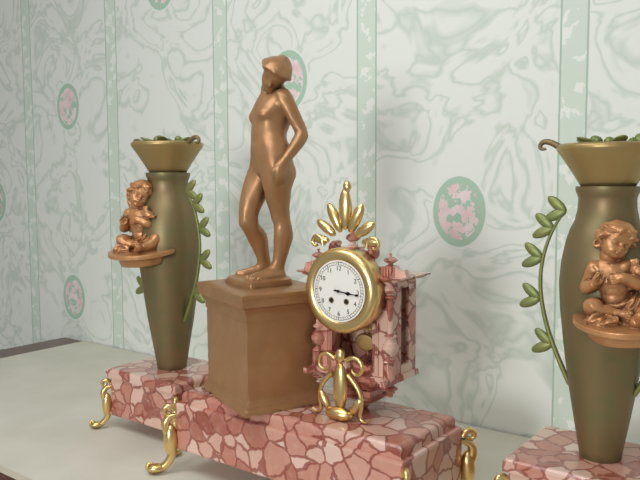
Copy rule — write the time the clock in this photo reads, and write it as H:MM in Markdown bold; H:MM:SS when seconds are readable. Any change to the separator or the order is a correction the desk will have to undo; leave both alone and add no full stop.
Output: **3:16**
